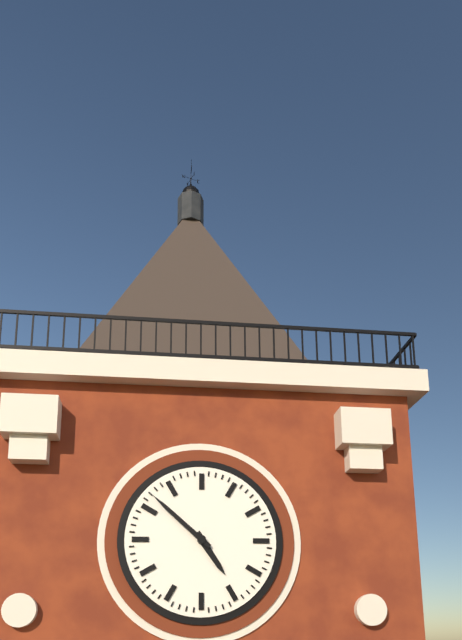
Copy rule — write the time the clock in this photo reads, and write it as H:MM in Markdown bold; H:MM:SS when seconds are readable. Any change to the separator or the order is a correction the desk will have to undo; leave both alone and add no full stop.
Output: **4:52**
